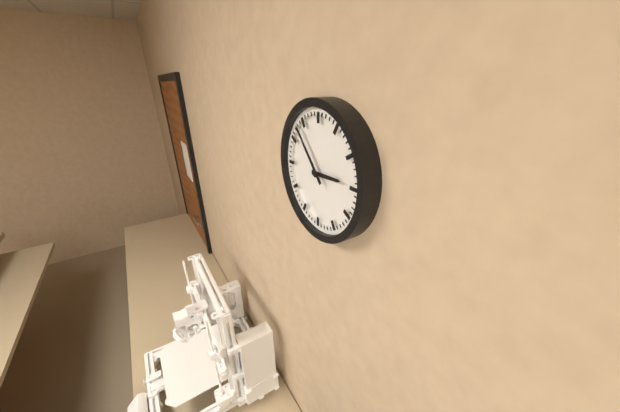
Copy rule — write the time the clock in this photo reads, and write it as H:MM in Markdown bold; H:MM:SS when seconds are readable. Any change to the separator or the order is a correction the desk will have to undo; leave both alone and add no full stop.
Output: **2:53**
